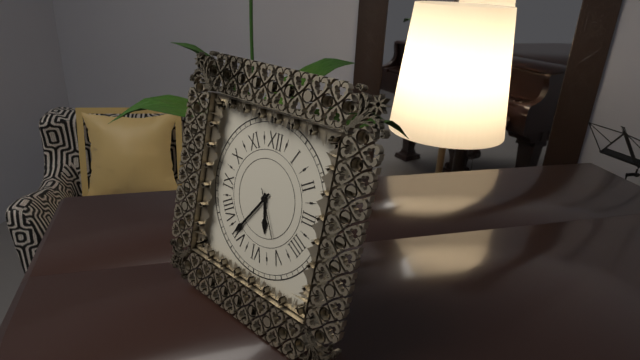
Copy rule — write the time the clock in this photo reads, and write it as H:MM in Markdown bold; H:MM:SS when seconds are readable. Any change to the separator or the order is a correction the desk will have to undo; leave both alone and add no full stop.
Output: **5:36:25**
